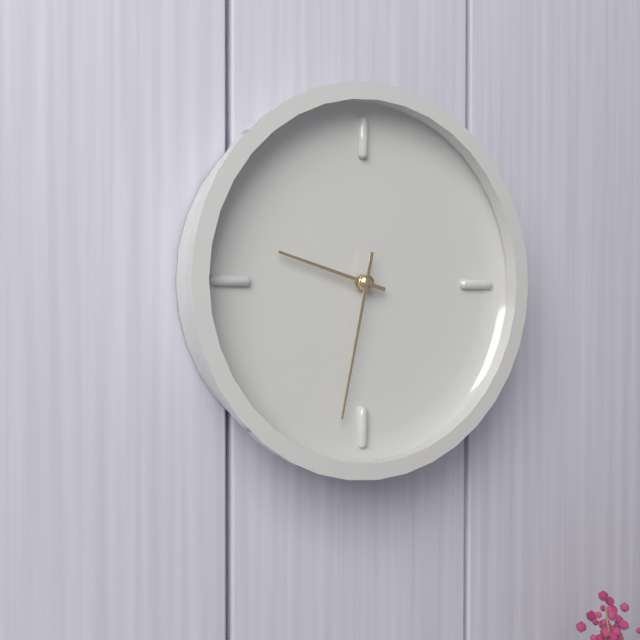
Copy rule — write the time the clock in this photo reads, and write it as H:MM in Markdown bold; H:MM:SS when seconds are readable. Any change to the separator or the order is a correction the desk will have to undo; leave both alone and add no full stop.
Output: **9:32**
